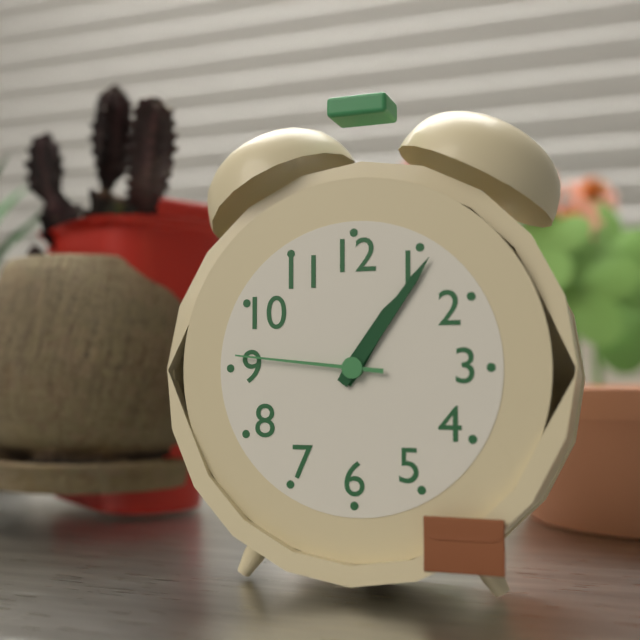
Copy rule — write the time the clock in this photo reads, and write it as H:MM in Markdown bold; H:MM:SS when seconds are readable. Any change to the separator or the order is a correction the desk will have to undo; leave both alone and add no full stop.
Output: **1:06:46**
